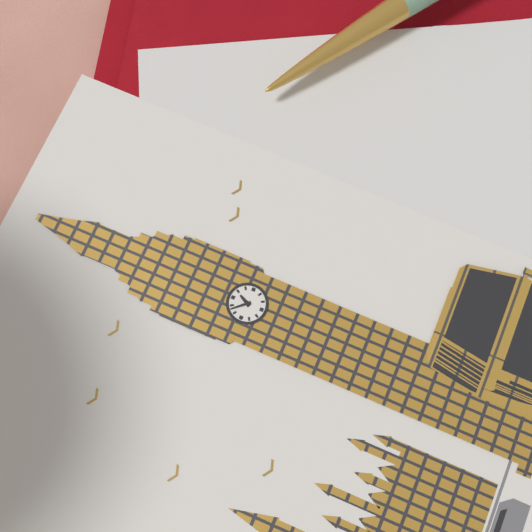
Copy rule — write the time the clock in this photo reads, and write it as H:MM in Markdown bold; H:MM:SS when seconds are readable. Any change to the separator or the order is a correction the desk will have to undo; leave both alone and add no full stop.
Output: **12:53**
